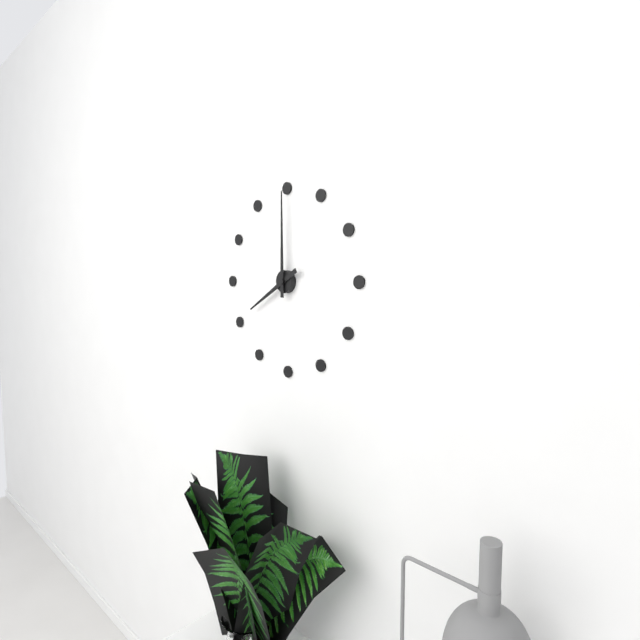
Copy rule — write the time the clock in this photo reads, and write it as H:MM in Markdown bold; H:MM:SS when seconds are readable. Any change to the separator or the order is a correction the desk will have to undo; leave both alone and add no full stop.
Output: **8:00**
